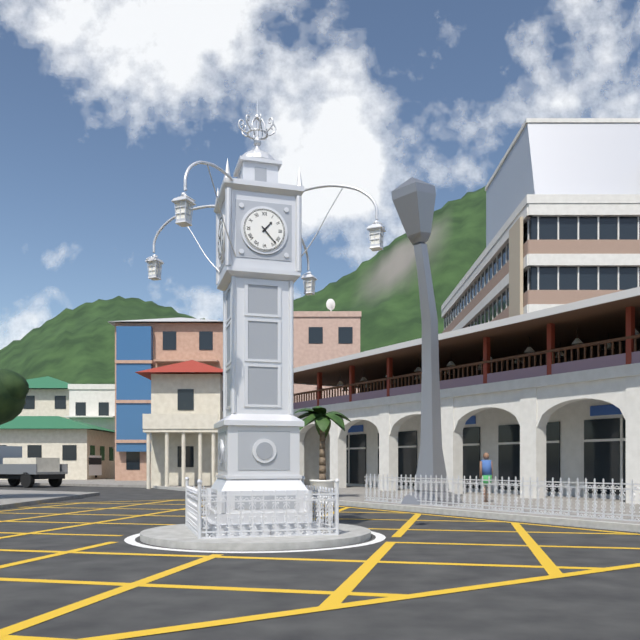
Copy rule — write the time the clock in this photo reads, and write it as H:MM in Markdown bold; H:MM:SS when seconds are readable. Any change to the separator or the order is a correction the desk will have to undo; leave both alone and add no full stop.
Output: **1:23**
